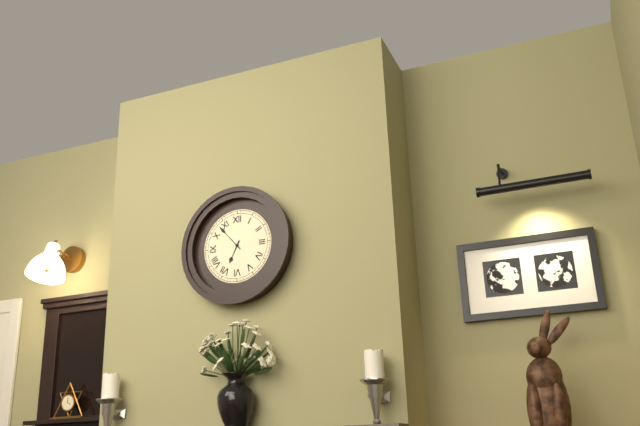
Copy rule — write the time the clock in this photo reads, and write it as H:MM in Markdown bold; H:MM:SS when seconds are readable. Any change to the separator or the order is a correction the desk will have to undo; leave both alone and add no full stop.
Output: **6:53**
